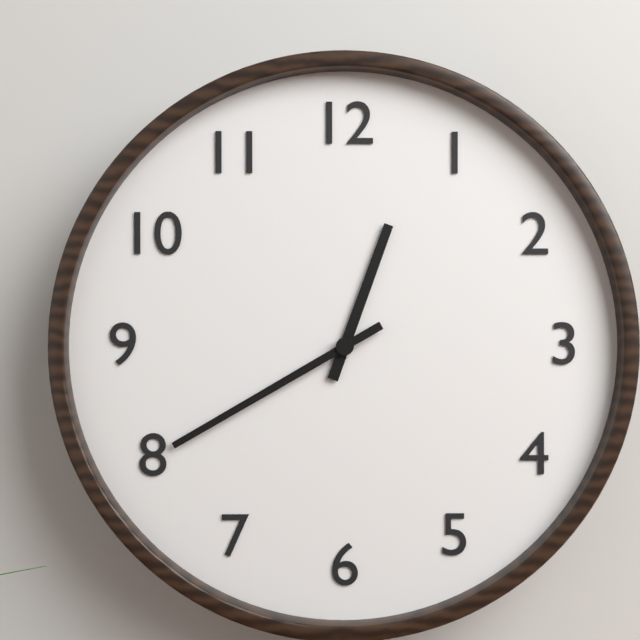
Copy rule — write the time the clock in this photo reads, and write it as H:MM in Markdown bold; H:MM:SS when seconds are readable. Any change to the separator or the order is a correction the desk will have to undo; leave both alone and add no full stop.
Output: **12:40**
